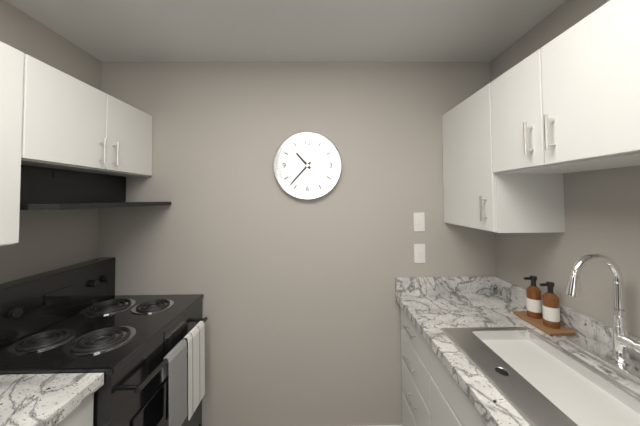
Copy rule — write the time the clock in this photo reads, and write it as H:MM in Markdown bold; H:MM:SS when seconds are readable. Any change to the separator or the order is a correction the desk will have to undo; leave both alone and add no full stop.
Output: **10:37**
